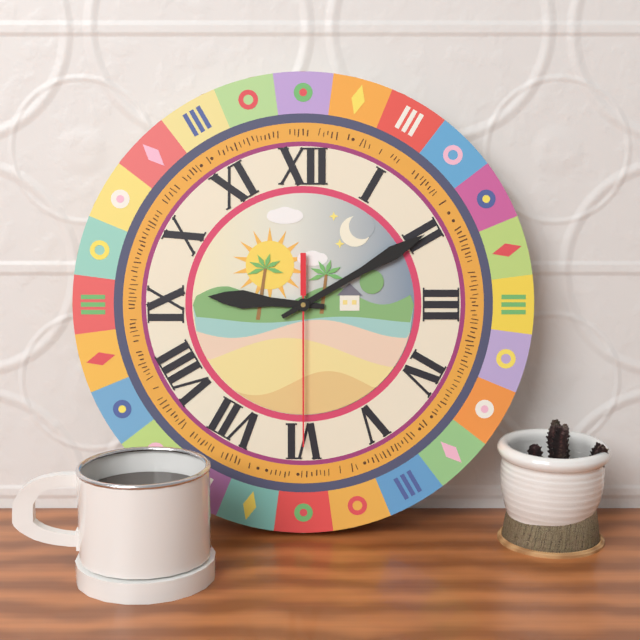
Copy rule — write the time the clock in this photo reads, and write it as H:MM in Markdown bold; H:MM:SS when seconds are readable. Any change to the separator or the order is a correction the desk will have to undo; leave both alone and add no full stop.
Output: **9:10:30**
